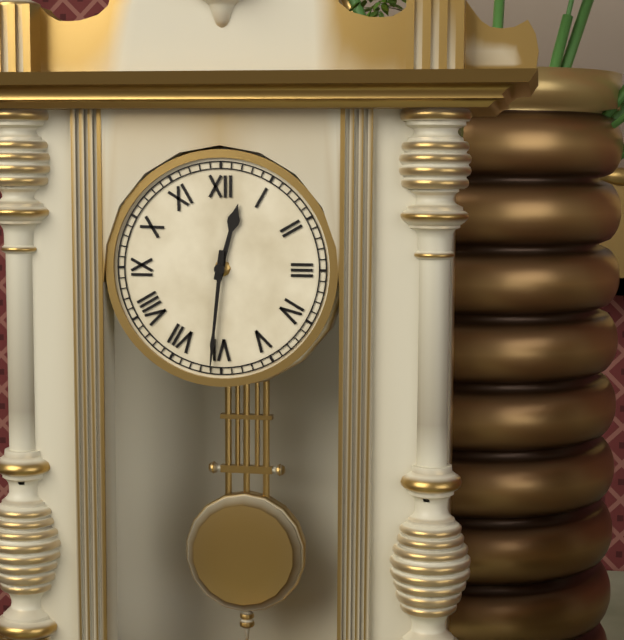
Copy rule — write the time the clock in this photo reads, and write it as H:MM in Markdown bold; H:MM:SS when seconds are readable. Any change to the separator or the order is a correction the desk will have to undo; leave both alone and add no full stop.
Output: **12:31**
